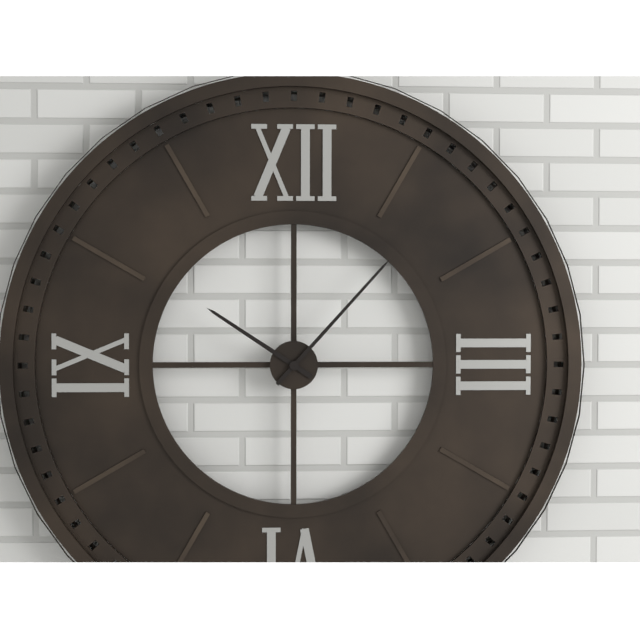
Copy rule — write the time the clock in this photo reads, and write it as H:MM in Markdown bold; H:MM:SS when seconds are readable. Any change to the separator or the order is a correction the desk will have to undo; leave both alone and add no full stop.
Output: **10:07**
